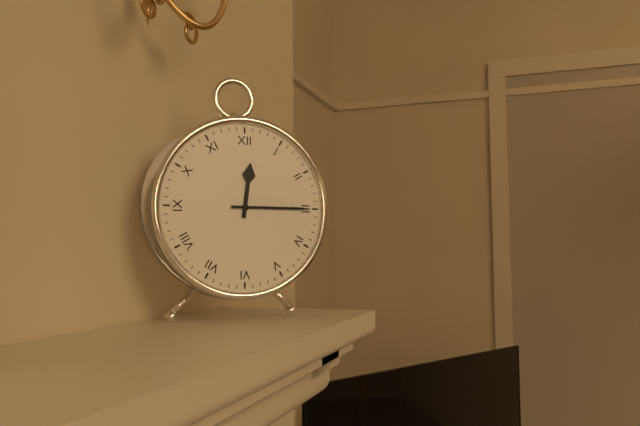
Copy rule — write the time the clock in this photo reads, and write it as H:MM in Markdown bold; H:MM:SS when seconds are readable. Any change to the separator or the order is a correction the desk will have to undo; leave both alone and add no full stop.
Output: **12:15**
